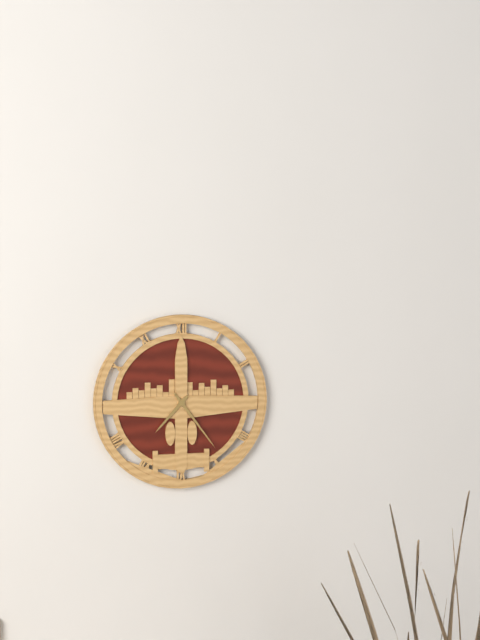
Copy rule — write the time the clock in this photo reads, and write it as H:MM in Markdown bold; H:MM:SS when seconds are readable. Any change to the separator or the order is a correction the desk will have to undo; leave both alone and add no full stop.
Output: **7:24**
